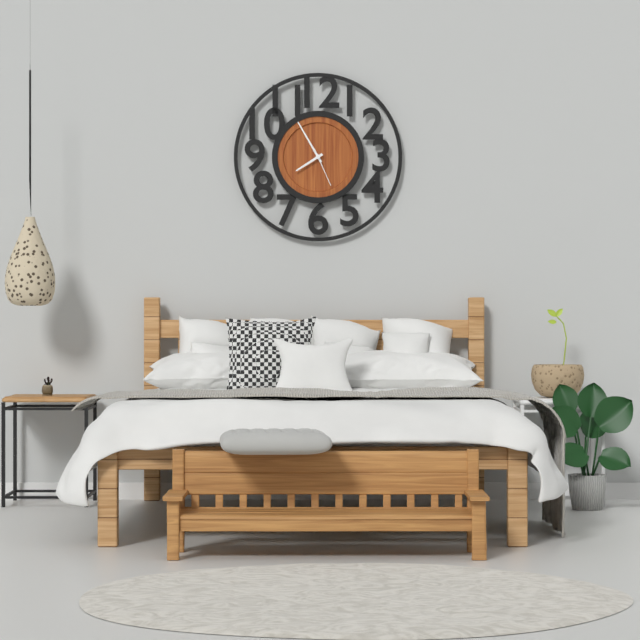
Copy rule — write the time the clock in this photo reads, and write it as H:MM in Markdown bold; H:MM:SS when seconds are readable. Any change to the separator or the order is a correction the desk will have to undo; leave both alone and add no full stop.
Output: **7:55**
